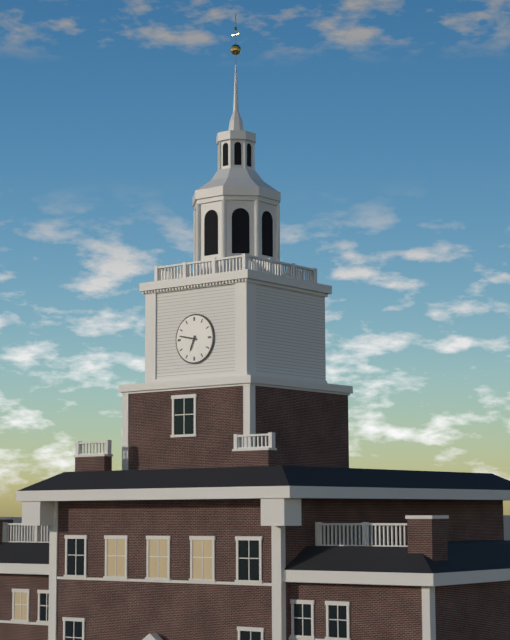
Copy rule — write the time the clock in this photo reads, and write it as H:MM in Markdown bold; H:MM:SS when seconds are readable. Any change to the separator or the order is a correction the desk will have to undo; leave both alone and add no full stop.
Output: **6:47**
